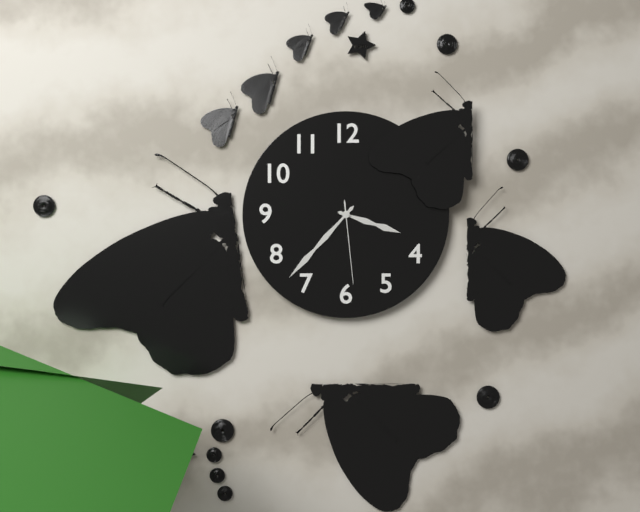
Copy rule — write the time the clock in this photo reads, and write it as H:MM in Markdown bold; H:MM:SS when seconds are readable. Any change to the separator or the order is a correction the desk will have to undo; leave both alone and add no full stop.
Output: **3:37:29**
